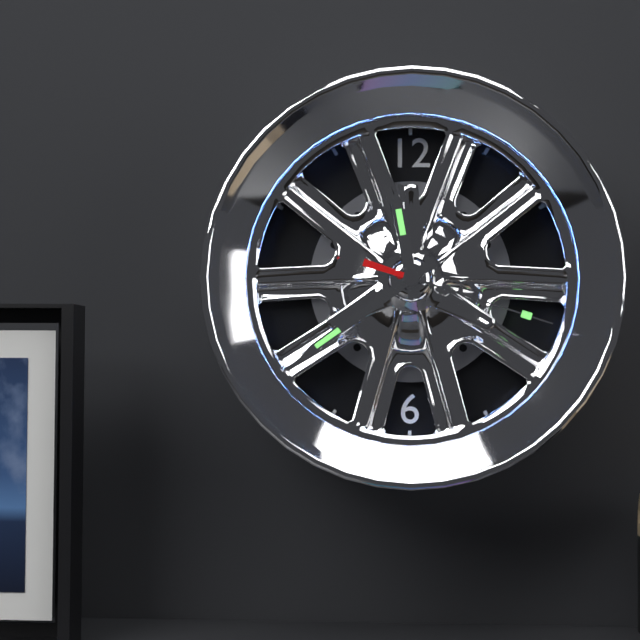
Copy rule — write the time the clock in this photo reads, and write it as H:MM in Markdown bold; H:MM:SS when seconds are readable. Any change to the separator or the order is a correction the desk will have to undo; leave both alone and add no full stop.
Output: **11:39:18**
